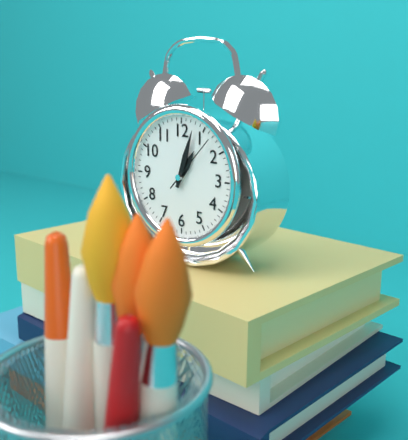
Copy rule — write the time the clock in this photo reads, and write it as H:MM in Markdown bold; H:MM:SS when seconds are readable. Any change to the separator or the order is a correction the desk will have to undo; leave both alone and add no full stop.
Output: **1:03:07**
